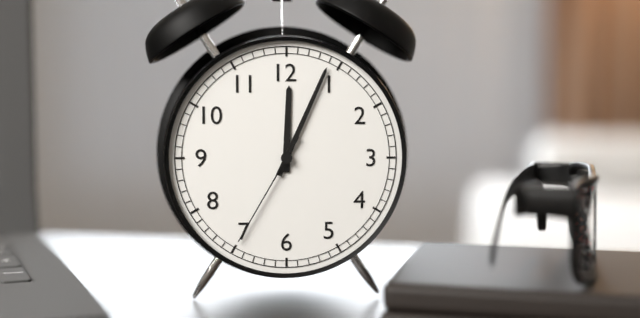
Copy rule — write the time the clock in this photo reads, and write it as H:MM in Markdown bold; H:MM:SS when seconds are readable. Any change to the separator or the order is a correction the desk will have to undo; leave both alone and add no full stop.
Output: **12:04:35**
